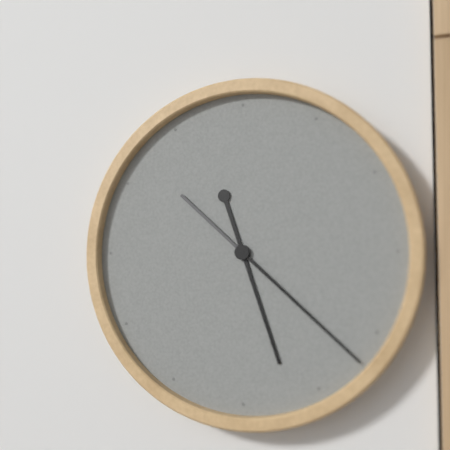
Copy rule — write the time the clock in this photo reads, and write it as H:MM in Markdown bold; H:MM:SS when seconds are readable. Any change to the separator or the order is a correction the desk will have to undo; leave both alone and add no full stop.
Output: **5:22**
